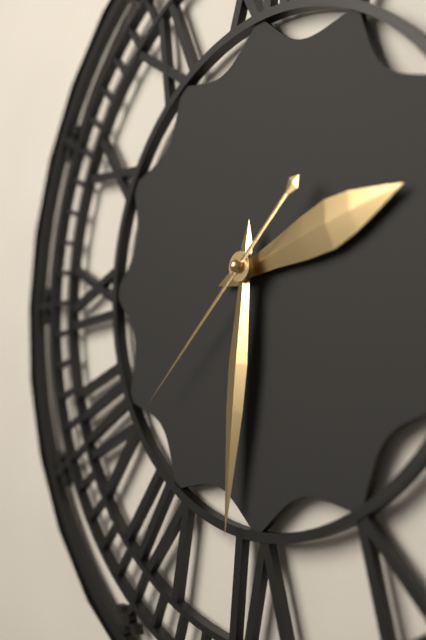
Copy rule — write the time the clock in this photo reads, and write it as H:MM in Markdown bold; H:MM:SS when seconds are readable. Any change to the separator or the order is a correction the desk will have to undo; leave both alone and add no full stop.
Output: **2:31:38**
